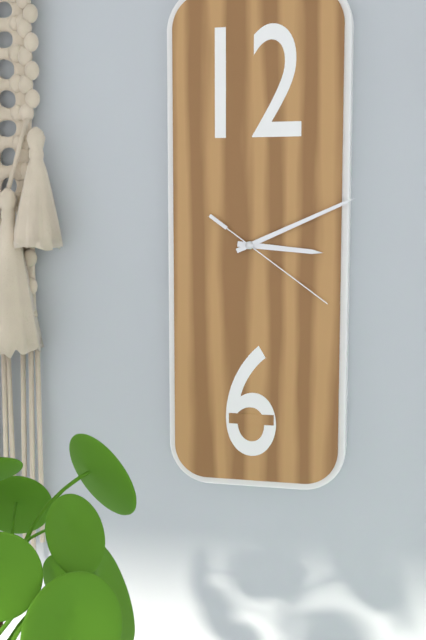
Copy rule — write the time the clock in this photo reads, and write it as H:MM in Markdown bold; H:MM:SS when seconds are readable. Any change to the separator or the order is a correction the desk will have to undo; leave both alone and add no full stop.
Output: **3:11:21**
